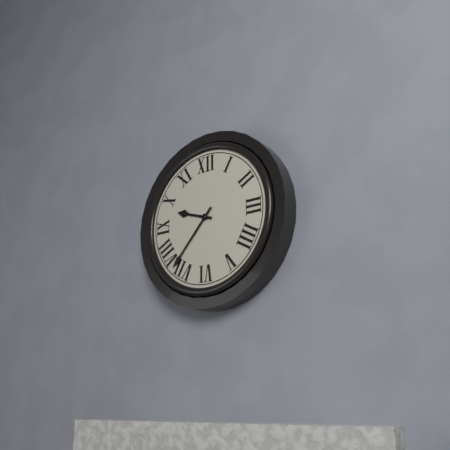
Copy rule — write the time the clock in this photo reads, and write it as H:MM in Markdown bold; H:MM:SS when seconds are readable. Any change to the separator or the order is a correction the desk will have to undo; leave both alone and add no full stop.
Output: **9:37**
